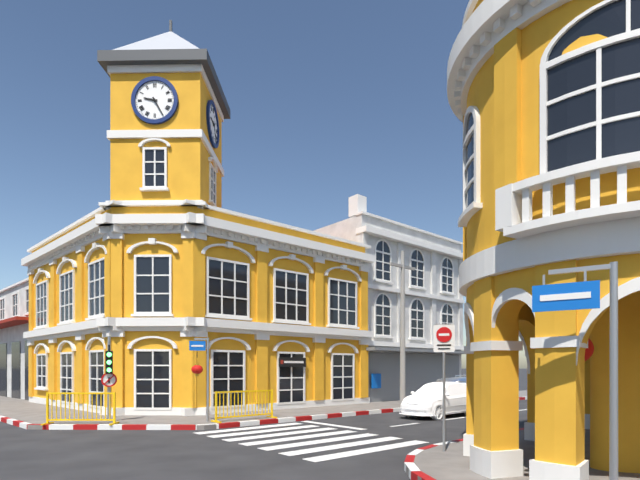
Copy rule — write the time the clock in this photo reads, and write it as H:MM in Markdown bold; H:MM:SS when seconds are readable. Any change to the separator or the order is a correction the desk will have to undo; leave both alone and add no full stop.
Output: **9:25**
